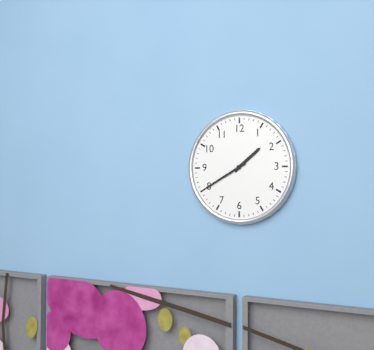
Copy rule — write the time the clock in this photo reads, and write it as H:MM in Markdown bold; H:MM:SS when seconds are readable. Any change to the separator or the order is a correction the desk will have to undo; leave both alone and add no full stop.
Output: **1:40**
